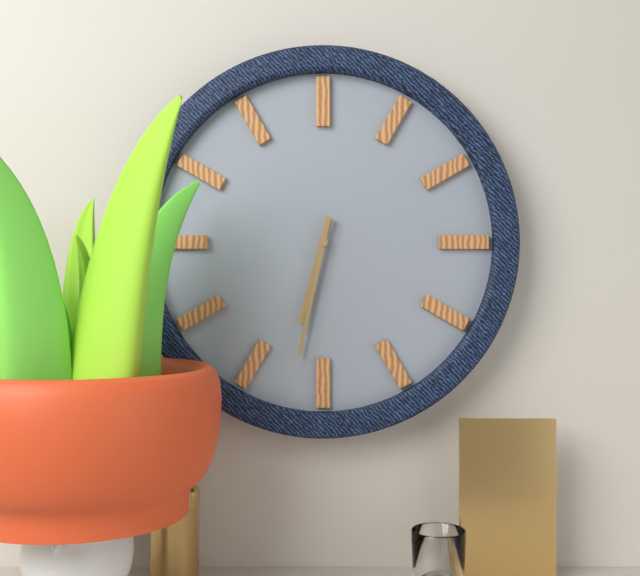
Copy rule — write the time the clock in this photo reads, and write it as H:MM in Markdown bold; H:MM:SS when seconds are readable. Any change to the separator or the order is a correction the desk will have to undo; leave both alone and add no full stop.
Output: **6:32**
